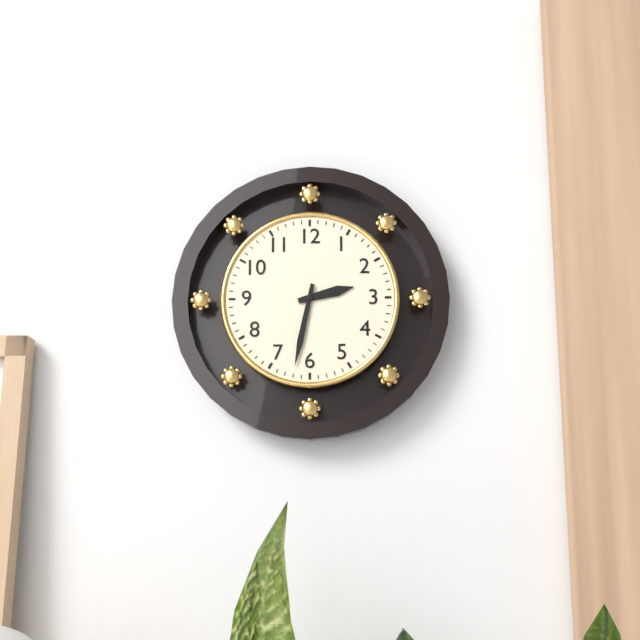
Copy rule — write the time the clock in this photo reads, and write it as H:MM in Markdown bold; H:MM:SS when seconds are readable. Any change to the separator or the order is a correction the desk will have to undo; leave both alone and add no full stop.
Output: **2:32**
